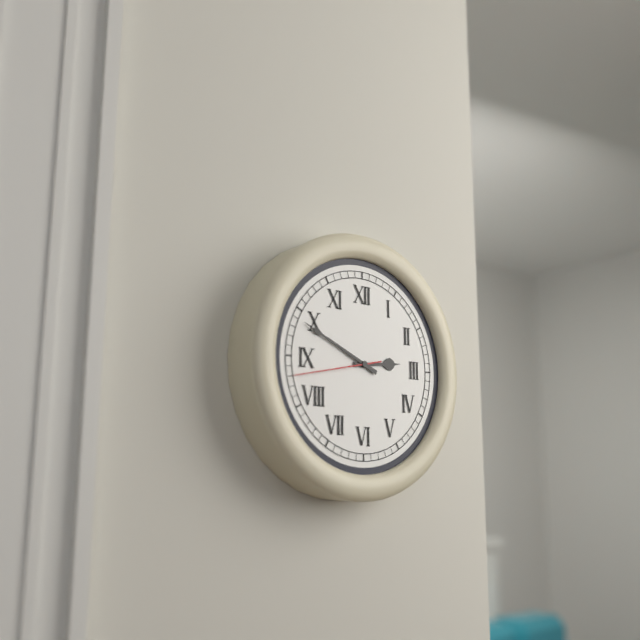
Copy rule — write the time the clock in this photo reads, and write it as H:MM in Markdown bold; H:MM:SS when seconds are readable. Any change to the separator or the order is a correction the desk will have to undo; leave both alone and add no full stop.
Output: **2:49:43**
